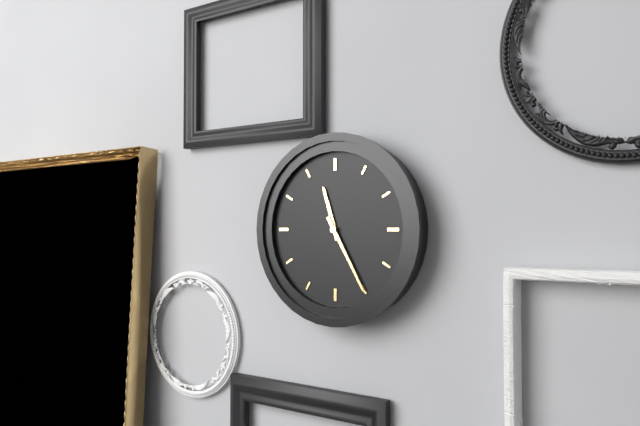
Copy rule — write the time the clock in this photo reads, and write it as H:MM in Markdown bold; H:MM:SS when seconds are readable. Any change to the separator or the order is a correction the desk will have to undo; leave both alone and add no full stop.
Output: **11:25**
